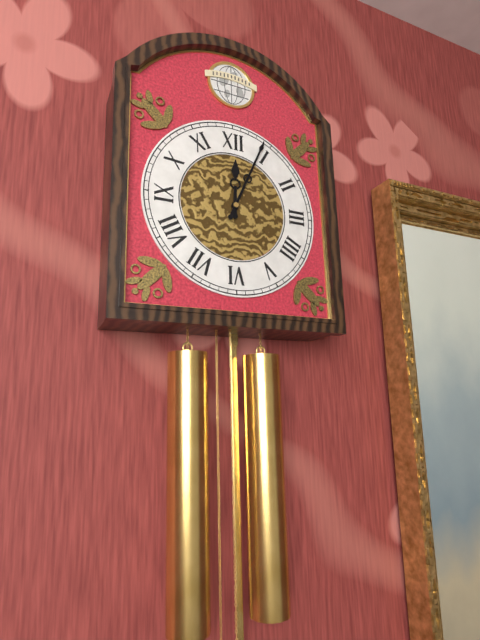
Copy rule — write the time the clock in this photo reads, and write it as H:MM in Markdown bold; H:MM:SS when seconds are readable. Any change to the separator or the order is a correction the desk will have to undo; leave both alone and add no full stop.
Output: **12:04**
